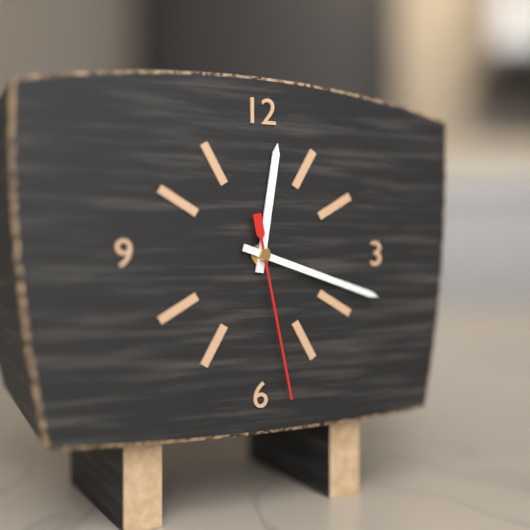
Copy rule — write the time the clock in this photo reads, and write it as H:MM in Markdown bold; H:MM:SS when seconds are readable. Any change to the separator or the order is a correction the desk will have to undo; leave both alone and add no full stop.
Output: **12:18:28**
